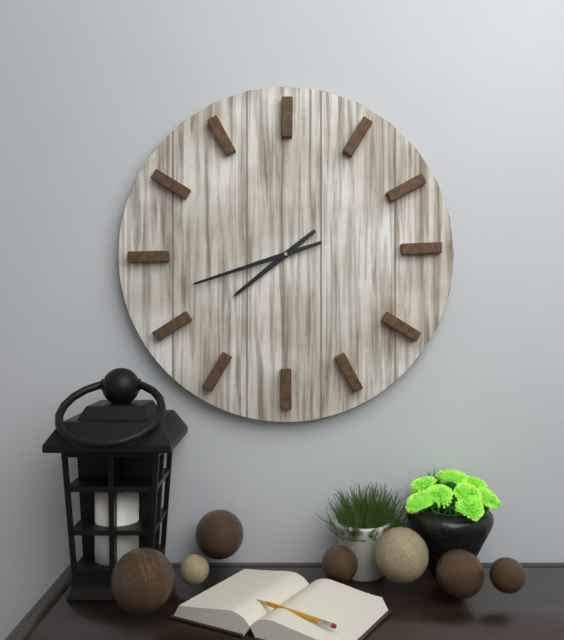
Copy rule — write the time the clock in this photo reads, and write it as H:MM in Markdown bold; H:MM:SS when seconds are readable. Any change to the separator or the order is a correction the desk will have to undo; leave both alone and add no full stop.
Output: **7:42**
